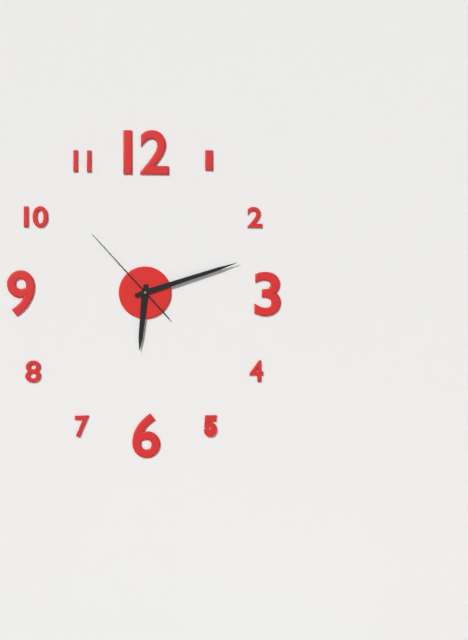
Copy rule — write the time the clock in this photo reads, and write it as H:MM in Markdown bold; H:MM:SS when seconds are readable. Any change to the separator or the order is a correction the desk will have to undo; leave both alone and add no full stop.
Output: **6:12:53**
